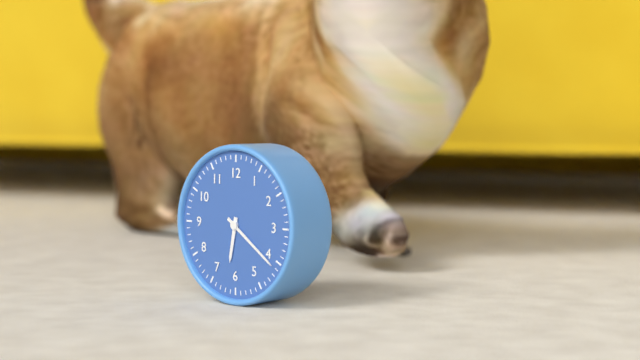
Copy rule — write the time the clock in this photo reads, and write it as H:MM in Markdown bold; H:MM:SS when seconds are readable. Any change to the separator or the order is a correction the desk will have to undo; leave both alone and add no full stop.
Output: **6:21**
